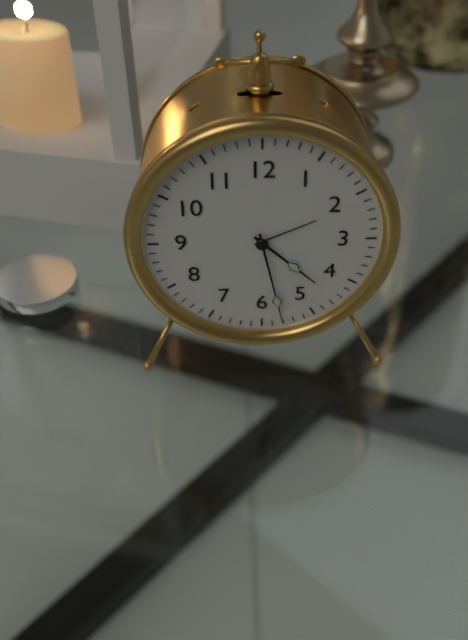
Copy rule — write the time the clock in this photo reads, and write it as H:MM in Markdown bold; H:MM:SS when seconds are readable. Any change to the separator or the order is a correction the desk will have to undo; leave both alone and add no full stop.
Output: **4:28**
